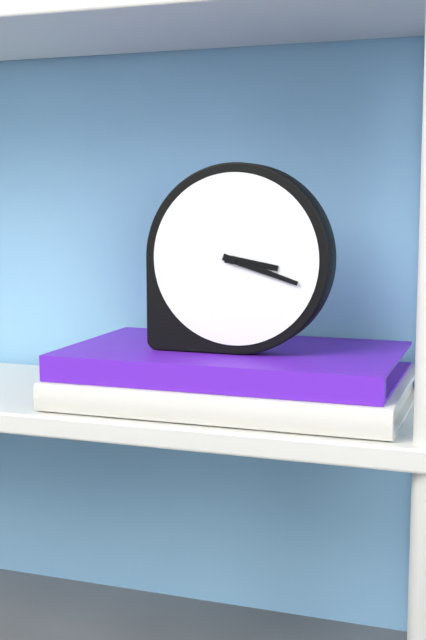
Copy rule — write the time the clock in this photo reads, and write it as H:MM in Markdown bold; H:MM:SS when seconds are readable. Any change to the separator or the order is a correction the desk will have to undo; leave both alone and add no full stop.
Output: **3:18**
